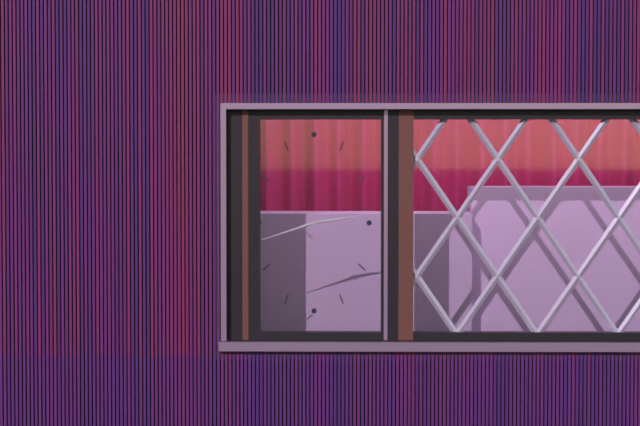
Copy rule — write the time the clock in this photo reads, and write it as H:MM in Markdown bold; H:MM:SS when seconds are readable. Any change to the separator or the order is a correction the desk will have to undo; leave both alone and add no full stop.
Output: **2:42**
